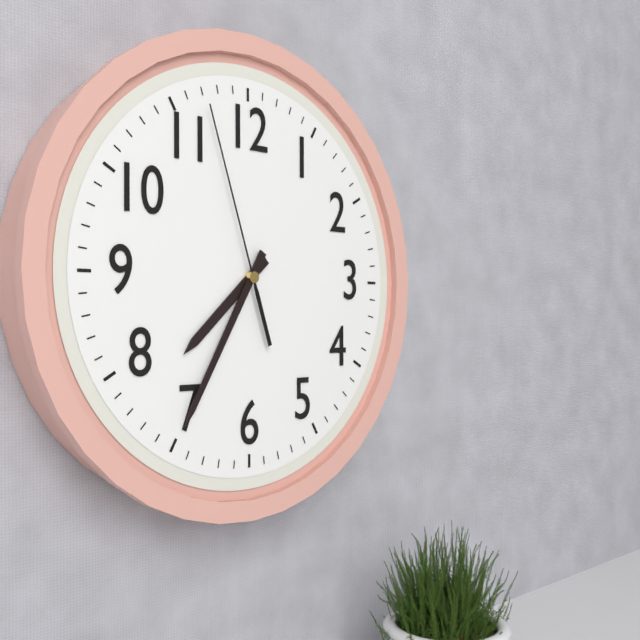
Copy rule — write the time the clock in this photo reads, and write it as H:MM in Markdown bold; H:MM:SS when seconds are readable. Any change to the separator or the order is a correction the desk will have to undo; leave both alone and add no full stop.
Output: **7:35:57**
